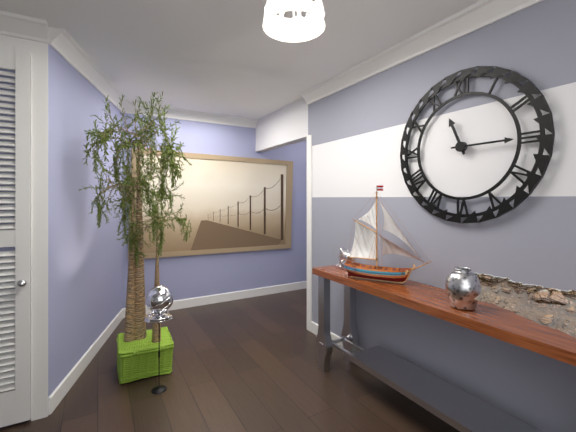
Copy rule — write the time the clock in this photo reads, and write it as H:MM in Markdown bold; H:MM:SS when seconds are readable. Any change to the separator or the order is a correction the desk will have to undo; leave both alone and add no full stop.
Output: **11:15**
